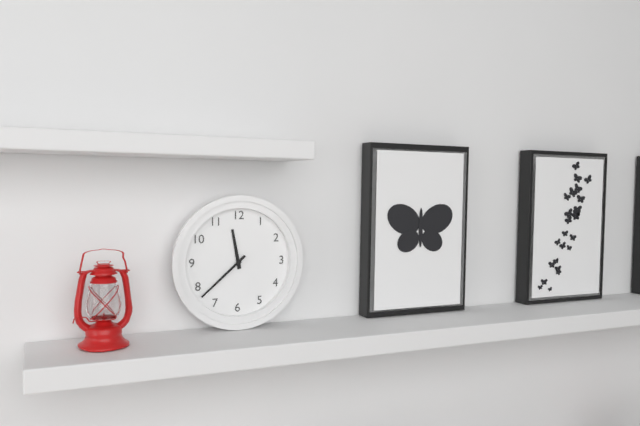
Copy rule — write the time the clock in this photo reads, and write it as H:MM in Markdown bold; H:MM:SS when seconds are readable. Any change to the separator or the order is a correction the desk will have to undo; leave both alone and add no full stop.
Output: **11:38**
